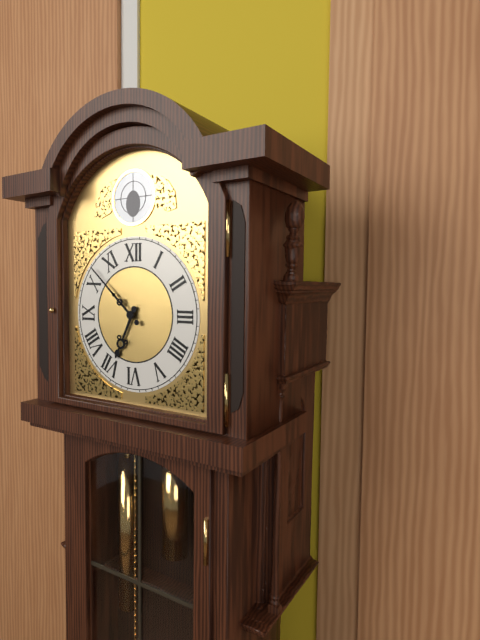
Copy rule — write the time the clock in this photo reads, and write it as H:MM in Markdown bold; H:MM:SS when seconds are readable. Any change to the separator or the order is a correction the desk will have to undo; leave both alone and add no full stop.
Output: **6:52**
